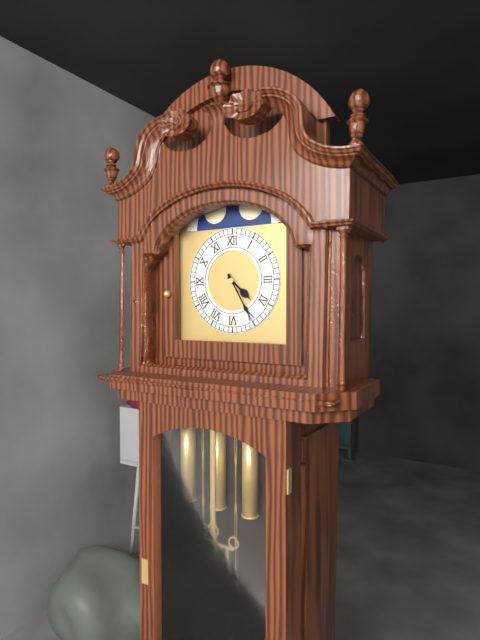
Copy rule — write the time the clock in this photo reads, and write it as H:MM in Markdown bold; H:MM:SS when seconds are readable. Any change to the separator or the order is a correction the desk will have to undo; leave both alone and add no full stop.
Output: **4:25**
